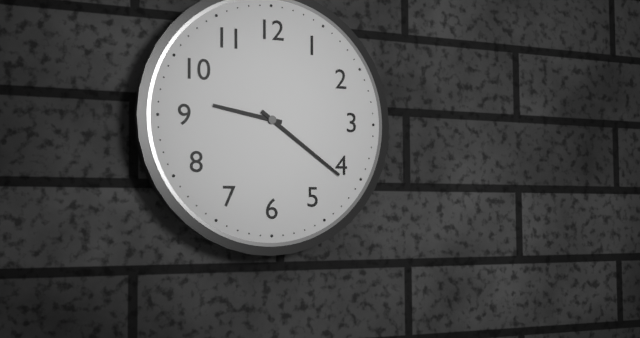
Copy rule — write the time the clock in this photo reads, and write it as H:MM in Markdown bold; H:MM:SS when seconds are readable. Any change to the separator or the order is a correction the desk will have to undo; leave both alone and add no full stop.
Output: **9:21**
